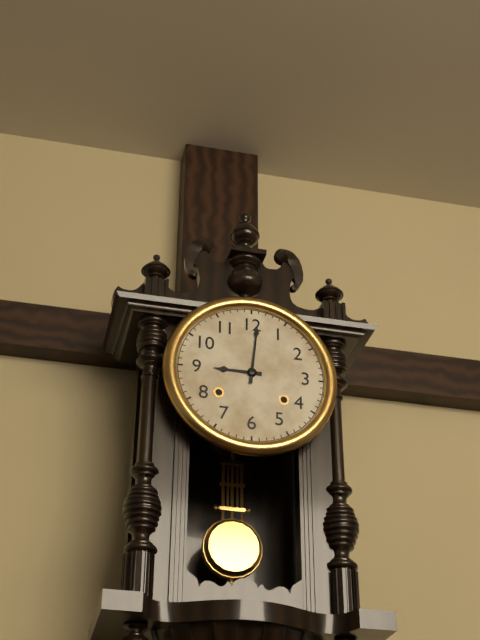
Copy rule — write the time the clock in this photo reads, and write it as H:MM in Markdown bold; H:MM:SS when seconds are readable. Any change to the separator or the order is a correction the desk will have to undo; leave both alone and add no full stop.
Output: **9:01**
